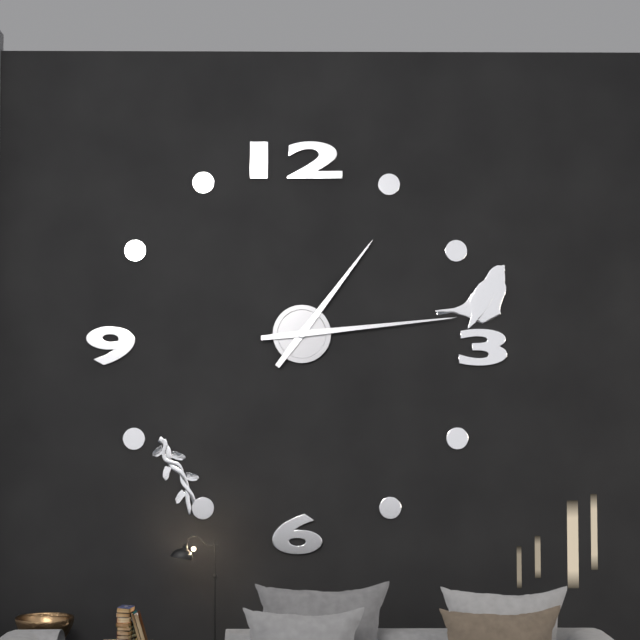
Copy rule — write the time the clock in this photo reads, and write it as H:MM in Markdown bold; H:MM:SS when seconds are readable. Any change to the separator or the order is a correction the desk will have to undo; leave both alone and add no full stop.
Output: **1:14**
